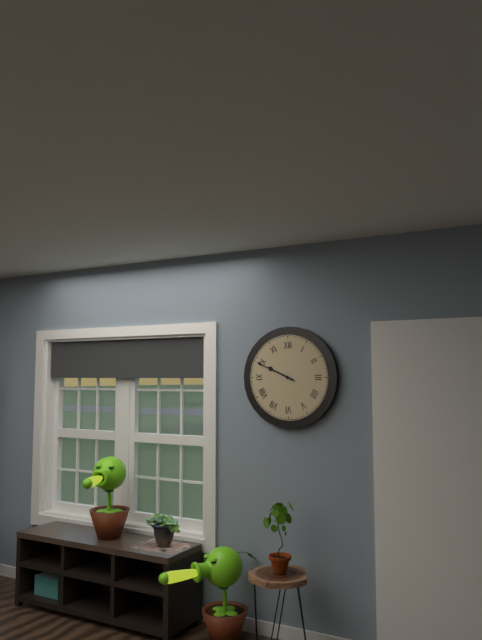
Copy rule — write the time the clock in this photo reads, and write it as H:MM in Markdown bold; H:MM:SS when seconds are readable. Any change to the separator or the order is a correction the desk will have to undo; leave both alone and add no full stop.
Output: **9:49**
